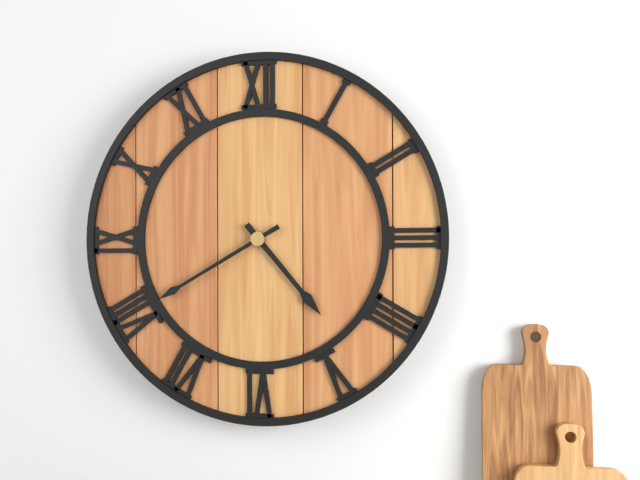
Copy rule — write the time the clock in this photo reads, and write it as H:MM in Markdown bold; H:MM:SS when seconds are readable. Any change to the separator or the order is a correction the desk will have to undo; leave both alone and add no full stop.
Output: **4:40**
